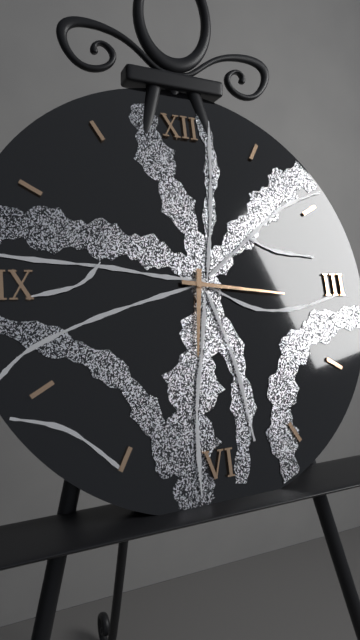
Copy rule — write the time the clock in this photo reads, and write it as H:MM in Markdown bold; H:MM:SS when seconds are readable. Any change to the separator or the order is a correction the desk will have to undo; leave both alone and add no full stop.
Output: **6:16**
